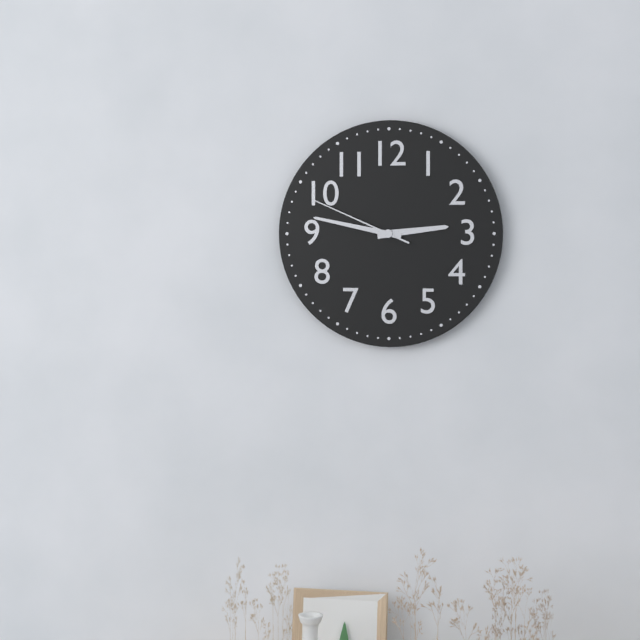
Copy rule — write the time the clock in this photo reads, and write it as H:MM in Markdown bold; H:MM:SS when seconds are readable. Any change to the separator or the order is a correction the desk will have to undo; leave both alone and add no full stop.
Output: **2:47:49**
